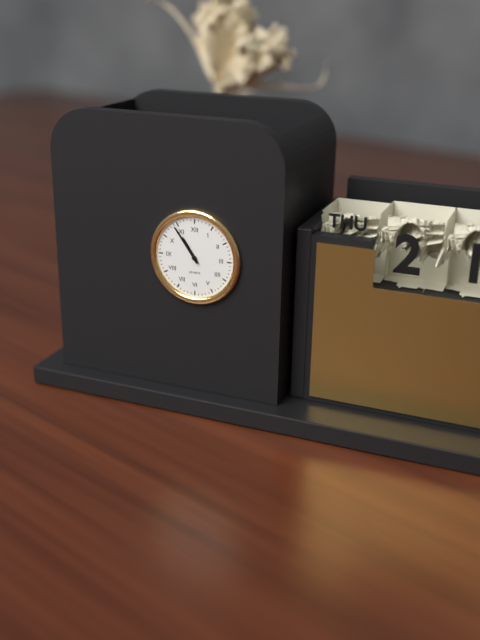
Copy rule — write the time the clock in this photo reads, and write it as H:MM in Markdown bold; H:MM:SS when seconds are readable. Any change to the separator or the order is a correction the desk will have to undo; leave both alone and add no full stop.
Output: **10:54**
